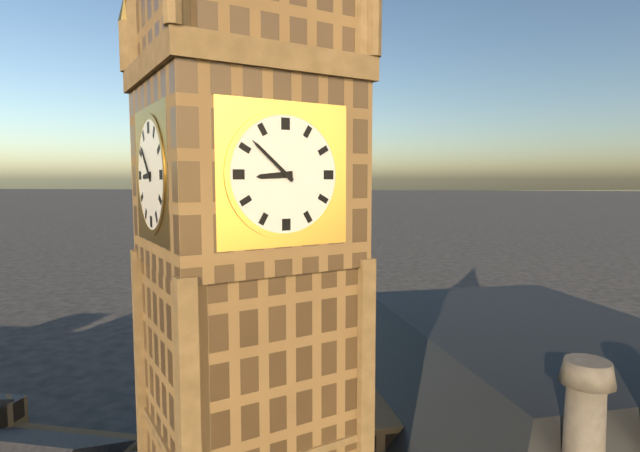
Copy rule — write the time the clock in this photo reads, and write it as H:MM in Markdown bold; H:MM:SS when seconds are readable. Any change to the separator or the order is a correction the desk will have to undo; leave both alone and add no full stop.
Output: **8:52**
